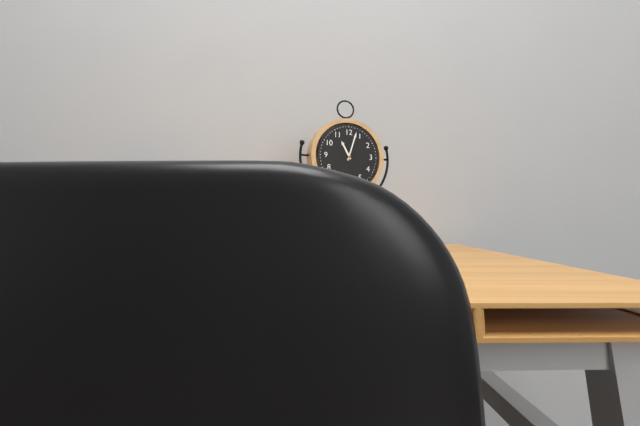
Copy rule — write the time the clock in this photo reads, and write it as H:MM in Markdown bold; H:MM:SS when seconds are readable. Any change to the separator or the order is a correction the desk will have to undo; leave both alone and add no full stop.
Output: **11:03**
